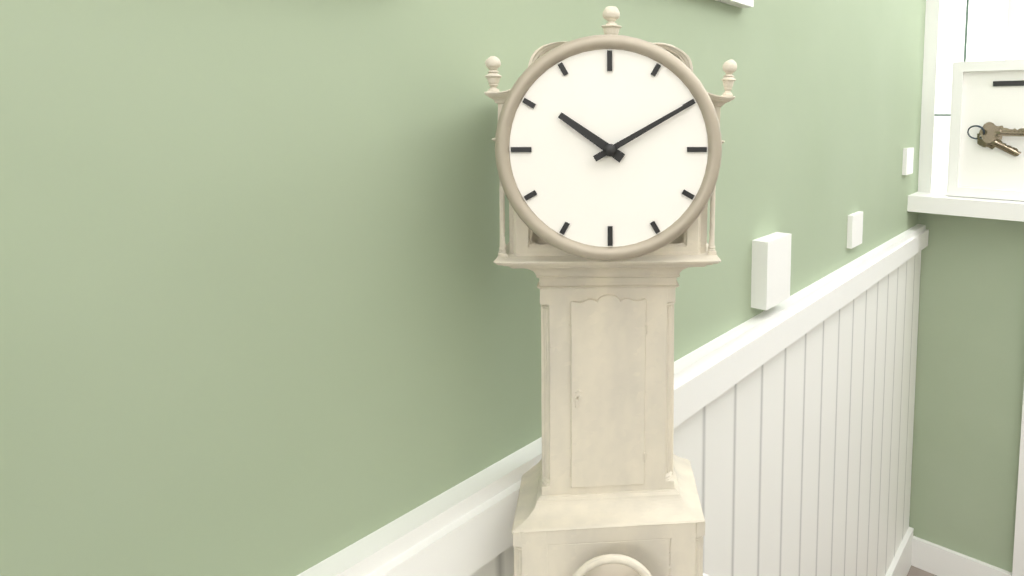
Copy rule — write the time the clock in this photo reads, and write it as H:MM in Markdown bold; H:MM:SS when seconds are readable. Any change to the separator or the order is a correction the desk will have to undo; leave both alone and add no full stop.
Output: **10:10**
